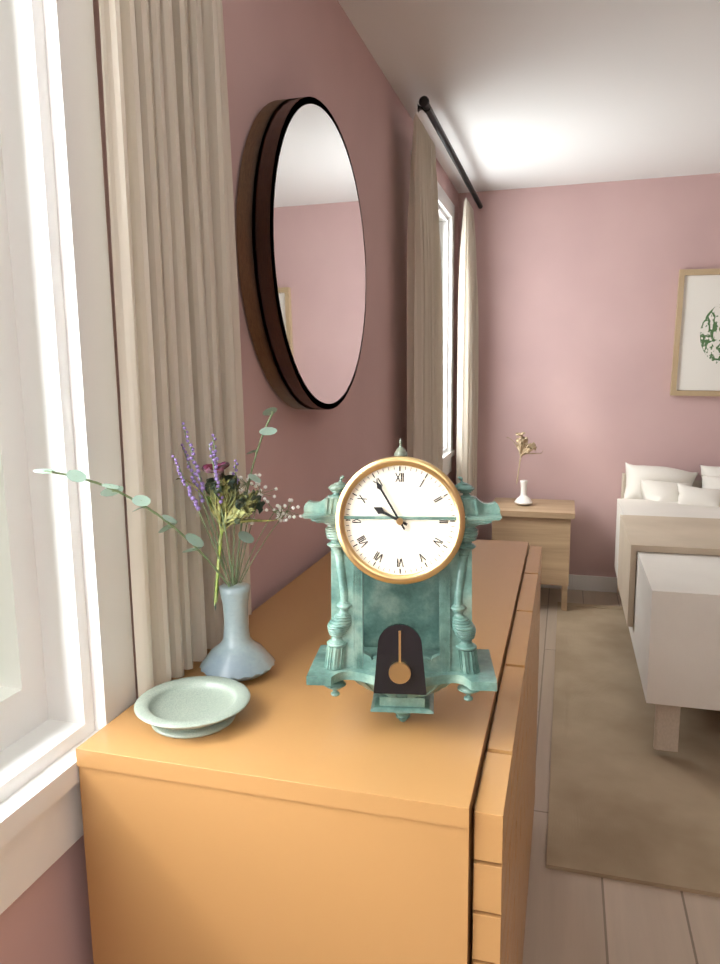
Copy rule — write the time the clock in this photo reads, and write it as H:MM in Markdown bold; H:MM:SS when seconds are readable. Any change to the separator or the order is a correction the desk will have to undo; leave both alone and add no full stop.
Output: **9:55**
